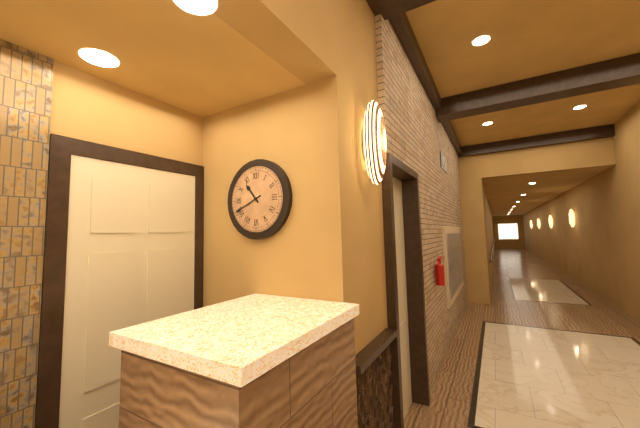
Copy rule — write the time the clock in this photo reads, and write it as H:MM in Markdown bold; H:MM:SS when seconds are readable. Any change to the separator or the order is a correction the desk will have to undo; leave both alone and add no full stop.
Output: **10:41**
